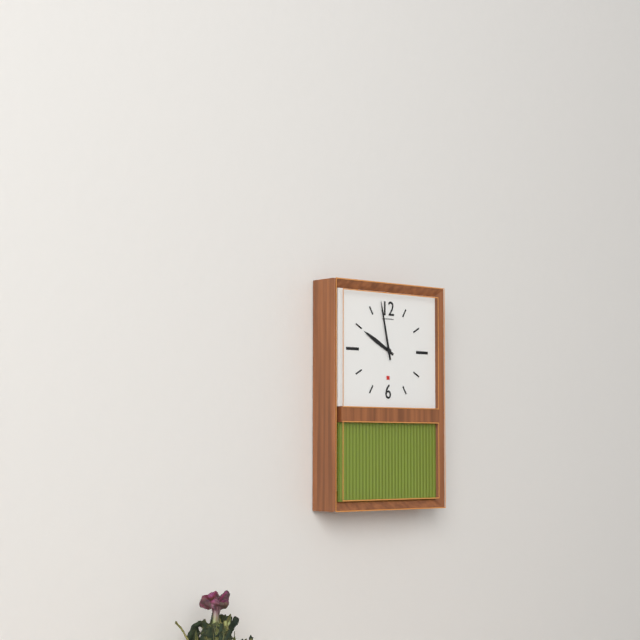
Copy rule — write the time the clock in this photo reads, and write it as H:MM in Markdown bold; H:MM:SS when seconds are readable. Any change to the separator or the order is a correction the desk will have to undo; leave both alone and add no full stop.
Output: **9:58**
